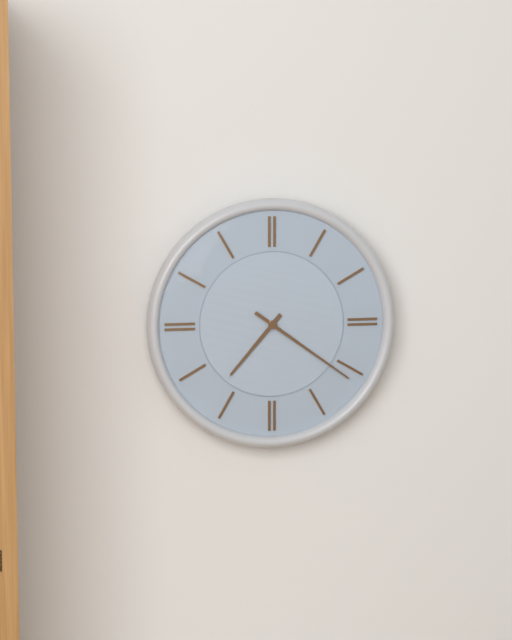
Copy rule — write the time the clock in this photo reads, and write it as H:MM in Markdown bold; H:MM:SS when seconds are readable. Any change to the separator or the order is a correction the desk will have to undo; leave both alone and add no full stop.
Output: **7:21**
